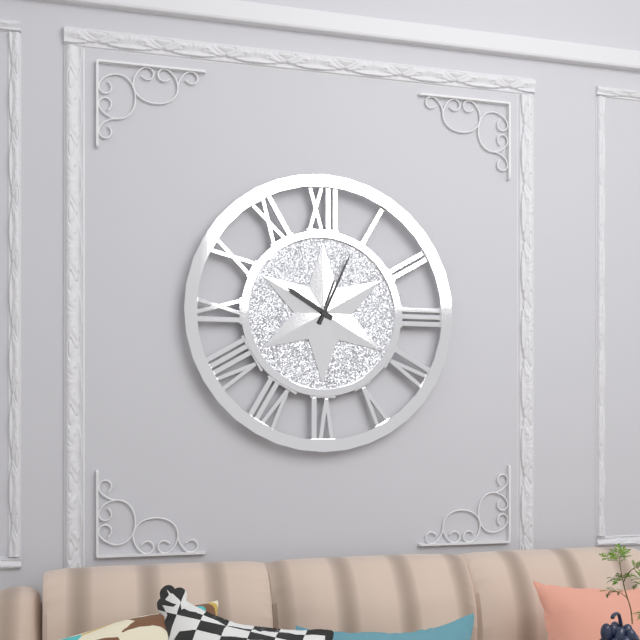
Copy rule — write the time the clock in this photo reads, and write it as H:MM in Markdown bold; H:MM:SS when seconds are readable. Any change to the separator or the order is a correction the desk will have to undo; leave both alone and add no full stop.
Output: **10:04**
